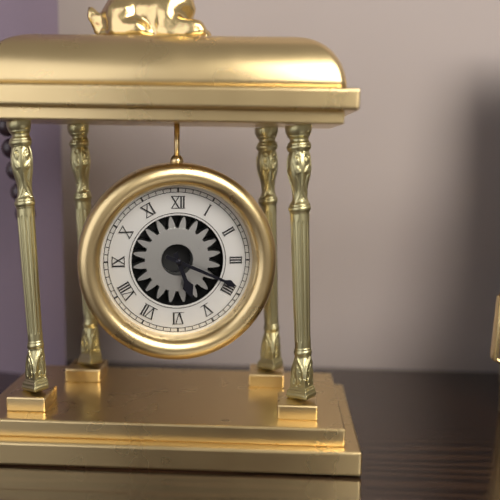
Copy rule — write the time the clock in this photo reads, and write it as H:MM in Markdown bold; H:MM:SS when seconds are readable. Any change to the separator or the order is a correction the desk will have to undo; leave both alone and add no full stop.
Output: **5:19**
